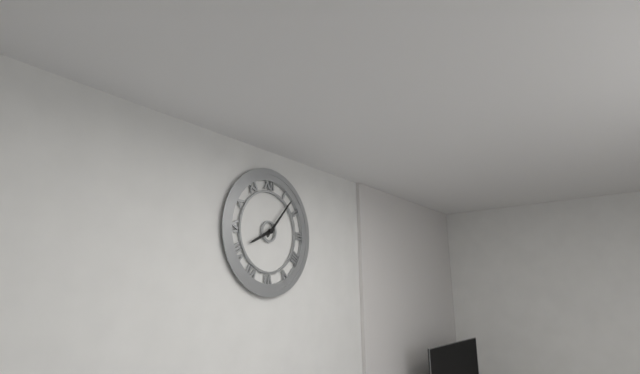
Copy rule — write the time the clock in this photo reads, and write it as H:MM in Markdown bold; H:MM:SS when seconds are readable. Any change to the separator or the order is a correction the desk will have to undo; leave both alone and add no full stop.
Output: **8:07**
